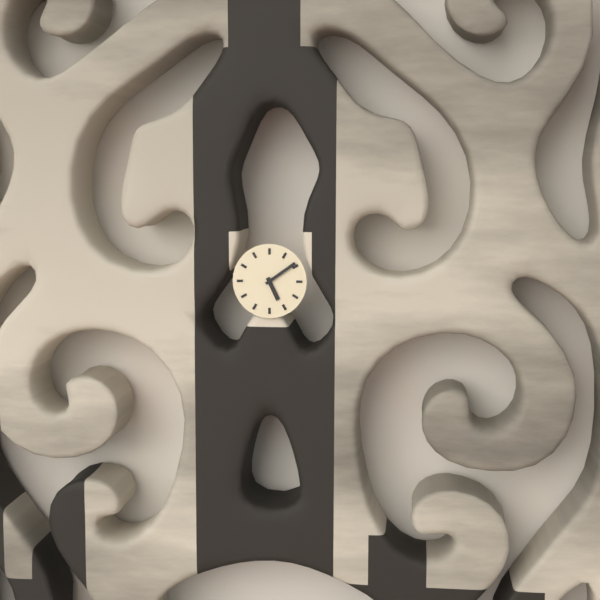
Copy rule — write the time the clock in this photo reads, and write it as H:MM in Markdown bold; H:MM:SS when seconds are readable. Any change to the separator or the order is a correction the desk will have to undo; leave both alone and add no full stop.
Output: **5:09**
